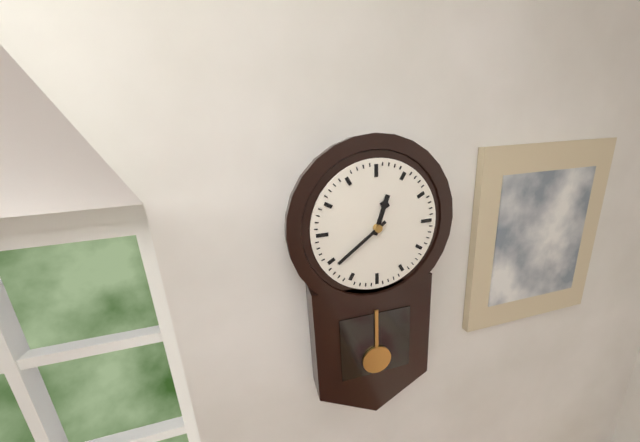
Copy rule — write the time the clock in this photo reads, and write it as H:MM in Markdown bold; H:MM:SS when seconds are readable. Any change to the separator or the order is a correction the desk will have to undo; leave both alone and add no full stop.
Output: **12:39**
